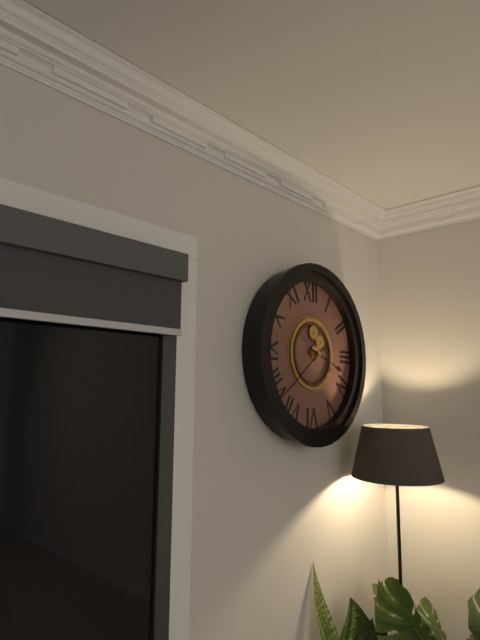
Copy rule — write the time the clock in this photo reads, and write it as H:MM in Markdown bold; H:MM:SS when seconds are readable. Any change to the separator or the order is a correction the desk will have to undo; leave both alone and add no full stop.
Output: **3:39**
